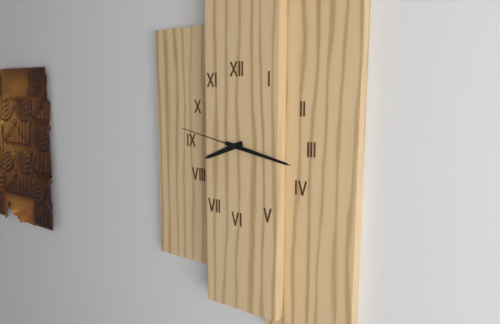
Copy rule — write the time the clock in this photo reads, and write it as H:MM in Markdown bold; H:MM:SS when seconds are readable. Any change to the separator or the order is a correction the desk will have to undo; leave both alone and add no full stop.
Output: **8:17:47**
